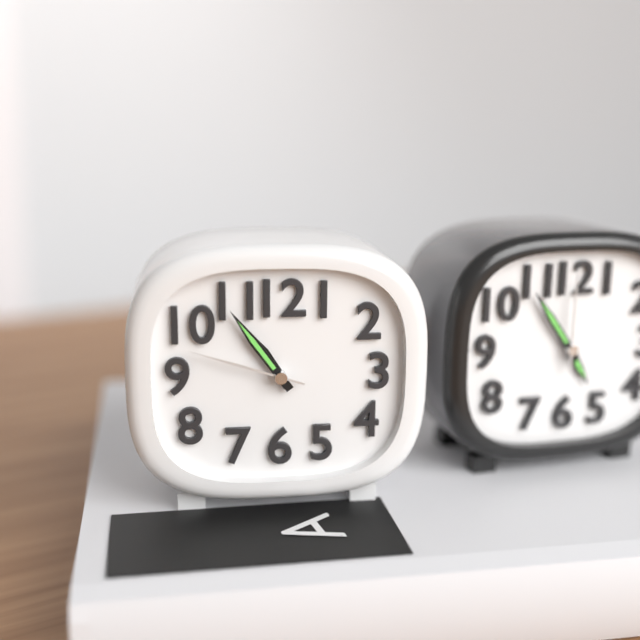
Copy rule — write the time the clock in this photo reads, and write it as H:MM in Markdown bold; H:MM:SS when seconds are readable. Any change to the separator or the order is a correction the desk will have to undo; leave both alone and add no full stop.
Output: **10:54:48**
